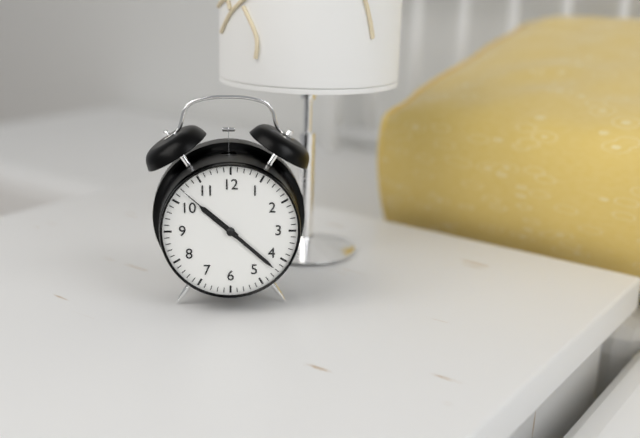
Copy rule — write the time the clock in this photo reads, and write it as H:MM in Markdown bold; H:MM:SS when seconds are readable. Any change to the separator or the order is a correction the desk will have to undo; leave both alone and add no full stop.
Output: **10:22:52**
